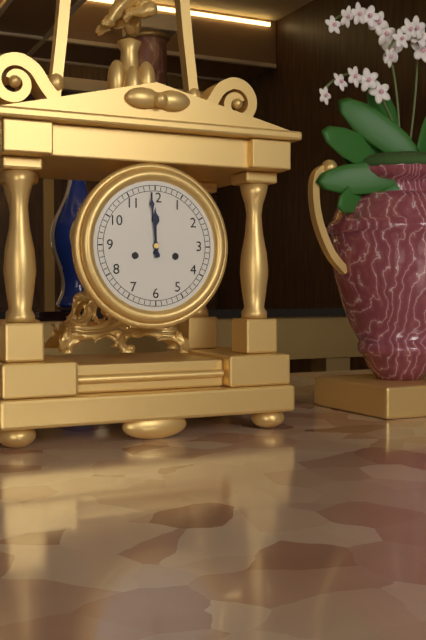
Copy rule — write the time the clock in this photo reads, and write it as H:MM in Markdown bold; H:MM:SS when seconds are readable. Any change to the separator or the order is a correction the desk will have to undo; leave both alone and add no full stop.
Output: **11:59**
